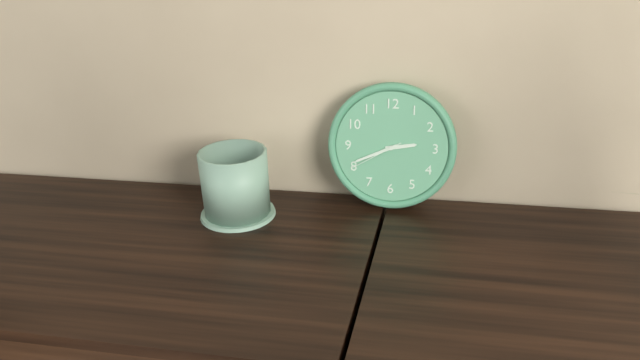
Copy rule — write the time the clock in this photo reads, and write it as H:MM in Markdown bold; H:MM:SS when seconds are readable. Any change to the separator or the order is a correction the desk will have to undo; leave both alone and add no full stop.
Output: **2:41:40**
